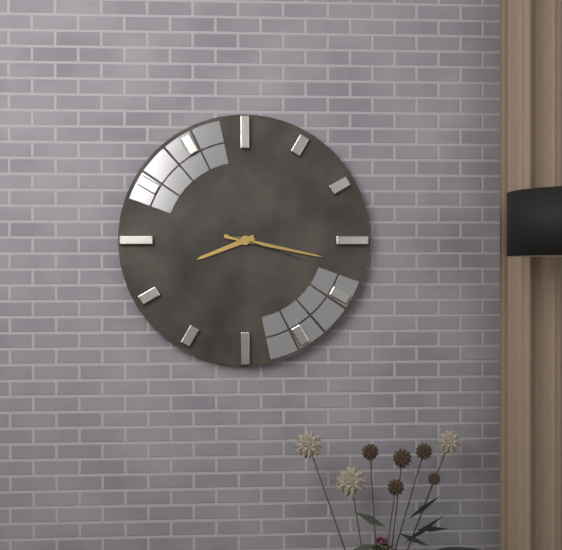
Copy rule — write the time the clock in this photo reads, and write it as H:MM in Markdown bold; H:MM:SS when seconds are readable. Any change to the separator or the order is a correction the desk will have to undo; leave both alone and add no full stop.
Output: **8:17:18**
